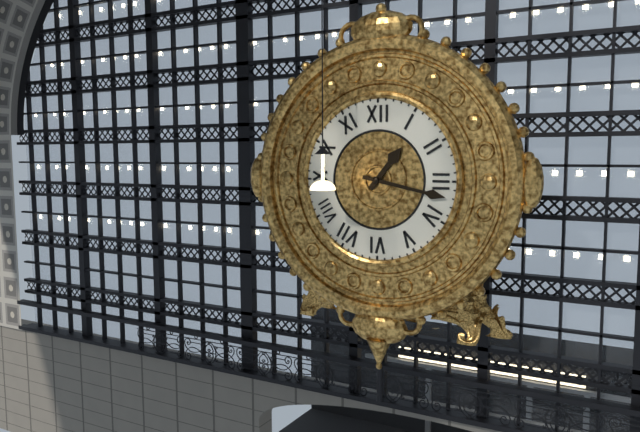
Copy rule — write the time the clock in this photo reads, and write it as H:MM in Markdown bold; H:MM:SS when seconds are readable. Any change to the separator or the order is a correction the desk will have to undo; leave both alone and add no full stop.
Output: **1:17**
